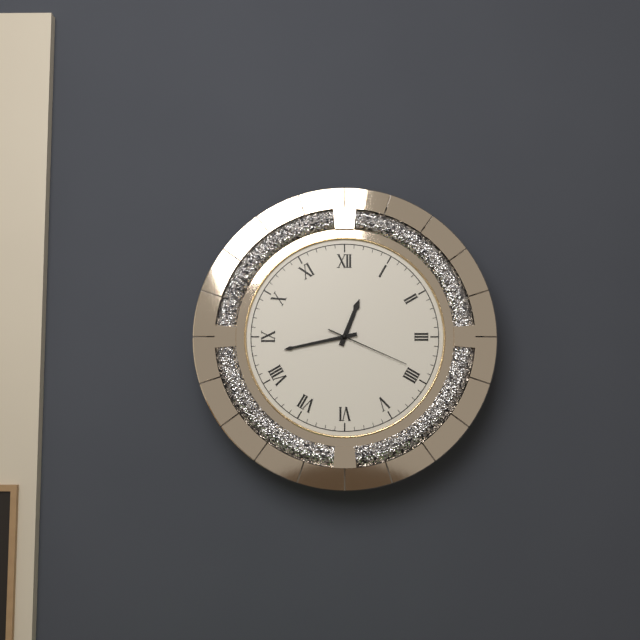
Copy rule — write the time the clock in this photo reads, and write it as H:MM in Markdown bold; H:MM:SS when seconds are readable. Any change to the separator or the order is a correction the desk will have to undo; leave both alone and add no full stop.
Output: **12:43:19**
